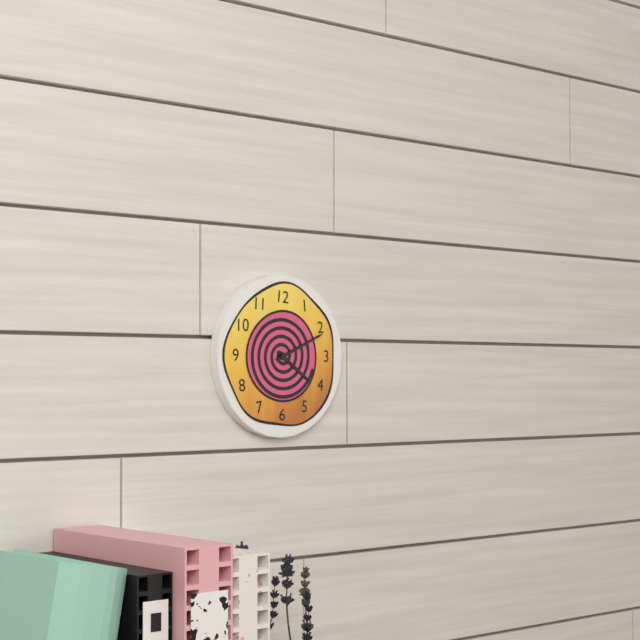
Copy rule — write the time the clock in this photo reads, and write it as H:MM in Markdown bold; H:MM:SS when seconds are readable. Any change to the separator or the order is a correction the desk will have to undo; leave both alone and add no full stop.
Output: **4:11**
